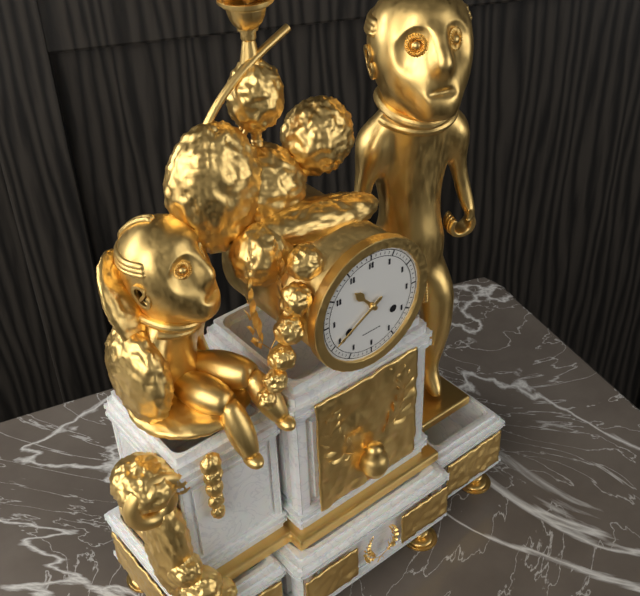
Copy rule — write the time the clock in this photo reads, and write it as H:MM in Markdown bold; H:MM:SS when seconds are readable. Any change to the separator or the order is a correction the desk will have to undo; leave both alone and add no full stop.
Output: **10:40**
